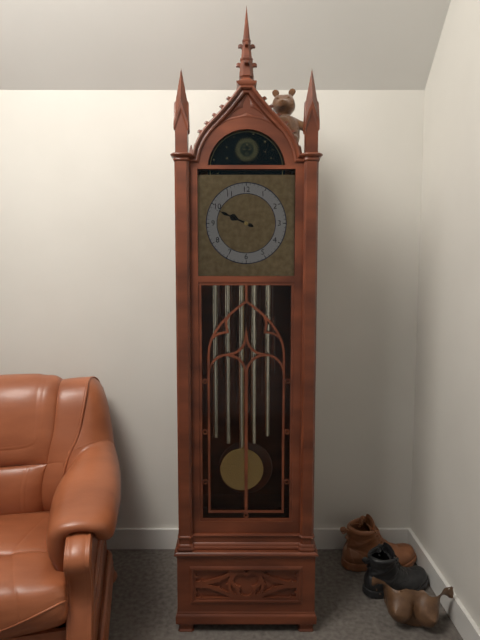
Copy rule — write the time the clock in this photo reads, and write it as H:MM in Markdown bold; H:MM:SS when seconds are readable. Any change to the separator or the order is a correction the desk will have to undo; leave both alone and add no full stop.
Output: **9:49**
